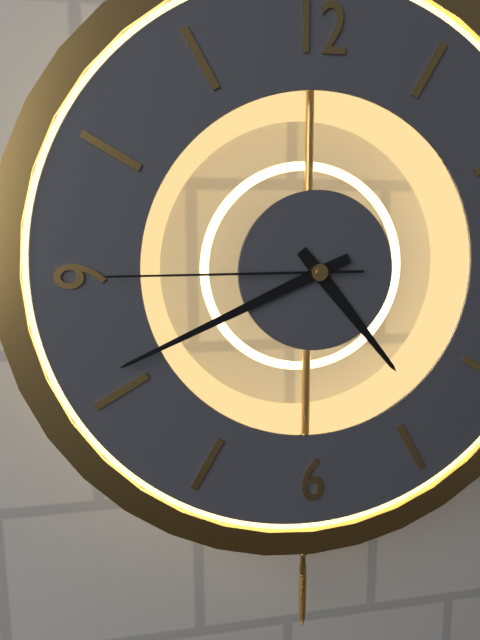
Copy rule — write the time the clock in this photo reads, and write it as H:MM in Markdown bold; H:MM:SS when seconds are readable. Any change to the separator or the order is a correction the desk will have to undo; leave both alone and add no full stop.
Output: **4:41:45**
